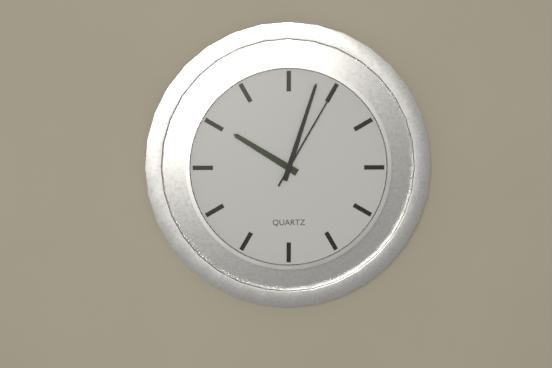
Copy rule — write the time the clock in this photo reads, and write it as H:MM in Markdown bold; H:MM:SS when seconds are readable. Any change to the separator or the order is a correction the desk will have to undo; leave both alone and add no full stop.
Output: **10:03:05**
